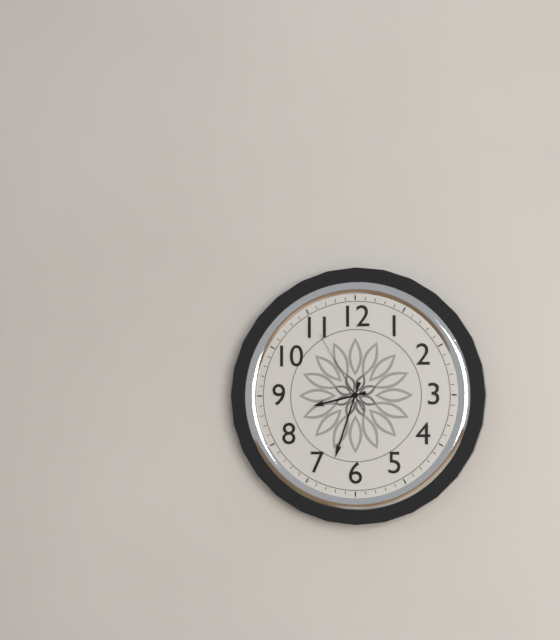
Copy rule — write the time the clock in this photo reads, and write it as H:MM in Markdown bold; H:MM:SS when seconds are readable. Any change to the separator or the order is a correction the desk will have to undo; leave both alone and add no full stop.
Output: **8:33:55**
